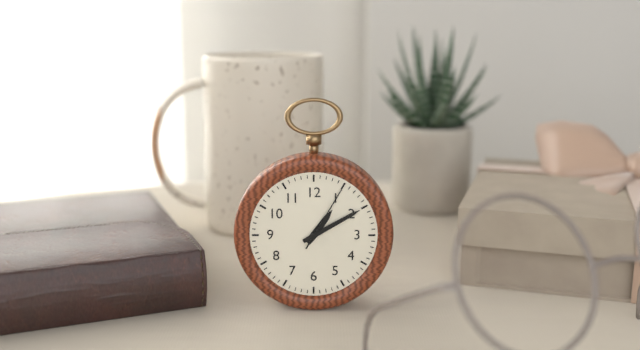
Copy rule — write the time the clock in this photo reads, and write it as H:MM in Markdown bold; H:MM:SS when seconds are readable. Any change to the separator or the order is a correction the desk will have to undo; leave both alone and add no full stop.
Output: **1:10:05**
